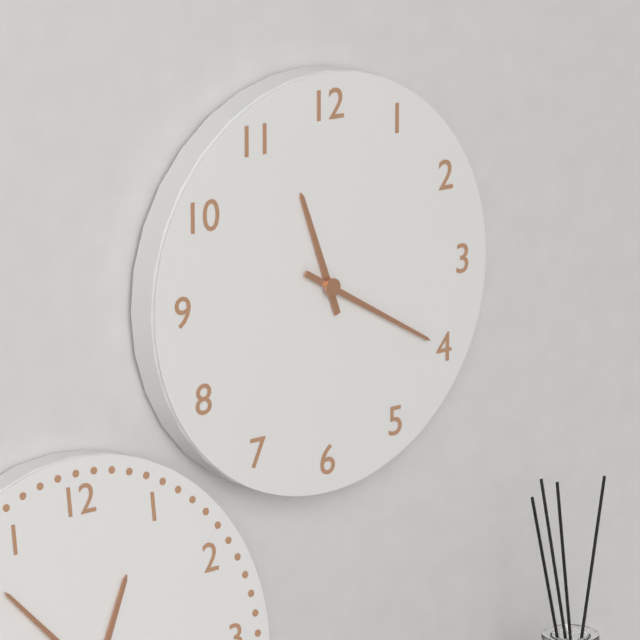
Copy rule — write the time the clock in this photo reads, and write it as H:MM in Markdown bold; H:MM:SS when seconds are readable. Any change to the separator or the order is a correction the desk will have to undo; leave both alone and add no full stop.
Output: **11:20**
